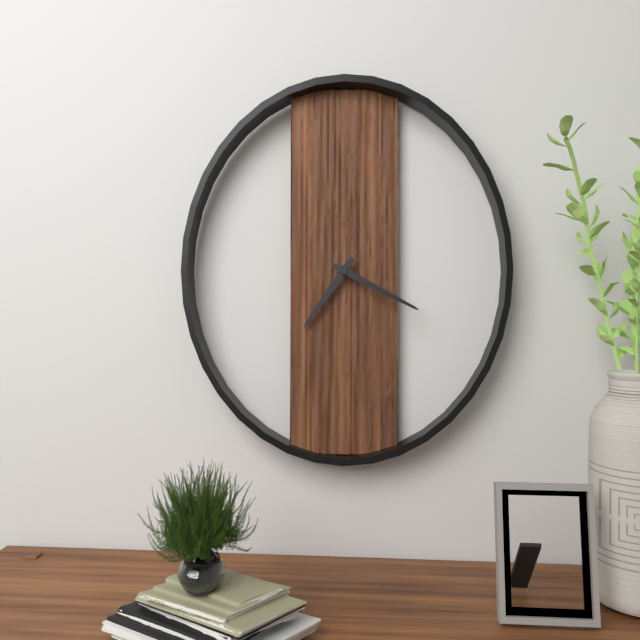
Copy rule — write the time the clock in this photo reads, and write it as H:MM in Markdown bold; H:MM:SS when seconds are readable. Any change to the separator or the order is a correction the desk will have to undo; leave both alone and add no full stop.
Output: **7:19**
